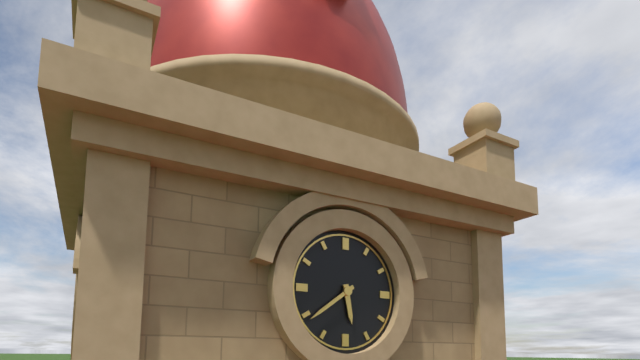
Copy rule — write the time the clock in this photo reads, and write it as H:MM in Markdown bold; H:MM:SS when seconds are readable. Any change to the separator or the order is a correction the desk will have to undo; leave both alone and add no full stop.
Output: **5:39**
